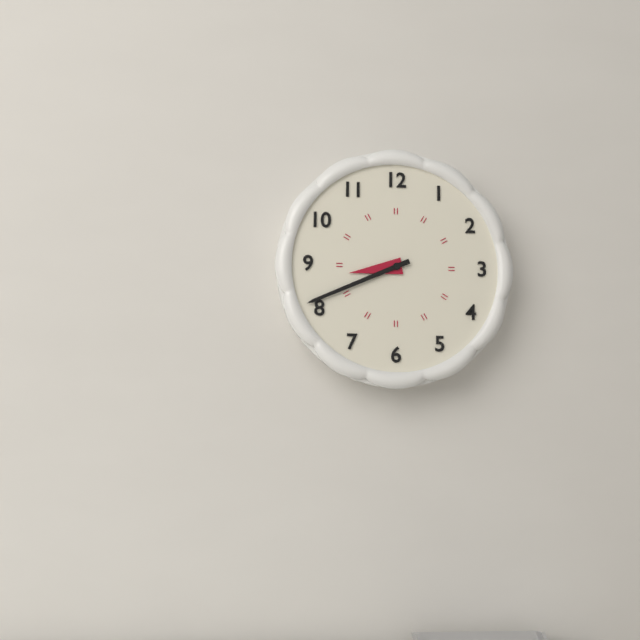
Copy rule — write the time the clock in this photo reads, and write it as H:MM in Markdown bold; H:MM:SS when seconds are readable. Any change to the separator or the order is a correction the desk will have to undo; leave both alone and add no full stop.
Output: **8:41**
